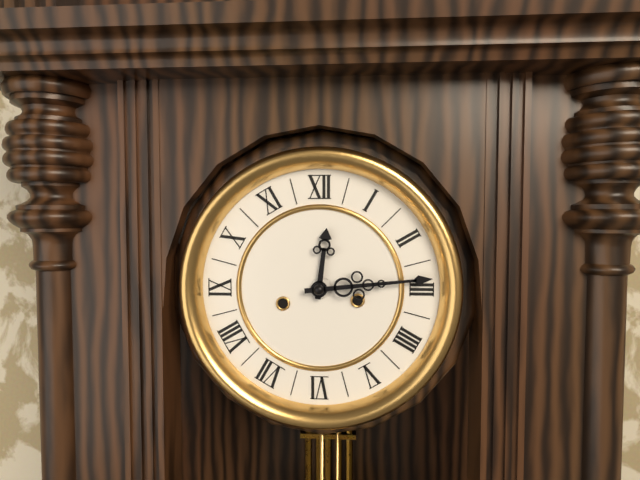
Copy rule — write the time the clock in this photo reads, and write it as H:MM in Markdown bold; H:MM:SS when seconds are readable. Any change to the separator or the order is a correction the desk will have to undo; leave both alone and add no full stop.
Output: **12:14**
